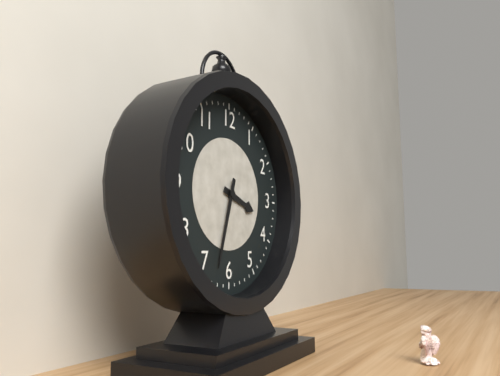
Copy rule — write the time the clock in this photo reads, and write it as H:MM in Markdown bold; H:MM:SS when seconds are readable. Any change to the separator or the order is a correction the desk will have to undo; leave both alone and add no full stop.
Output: **3:33**
